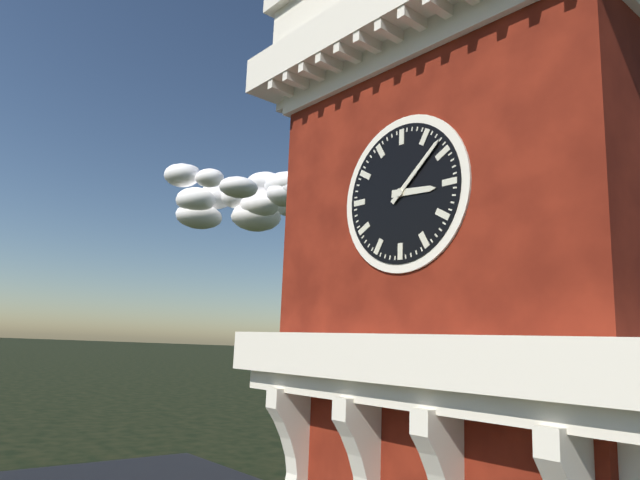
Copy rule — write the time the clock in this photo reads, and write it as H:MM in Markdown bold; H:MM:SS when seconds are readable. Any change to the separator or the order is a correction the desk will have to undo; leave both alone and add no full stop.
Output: **3:08**
